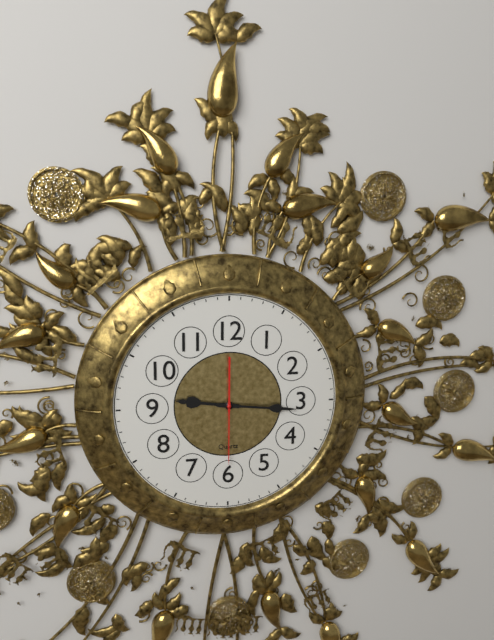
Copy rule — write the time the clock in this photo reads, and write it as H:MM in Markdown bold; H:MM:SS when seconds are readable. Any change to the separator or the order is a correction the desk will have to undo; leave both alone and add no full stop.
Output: **9:16:30**
